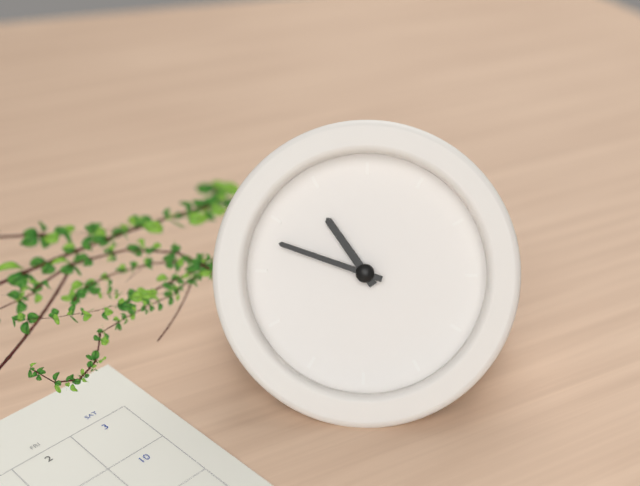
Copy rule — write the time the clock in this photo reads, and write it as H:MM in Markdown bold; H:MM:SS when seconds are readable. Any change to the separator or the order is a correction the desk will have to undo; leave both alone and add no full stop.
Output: **10:48**
